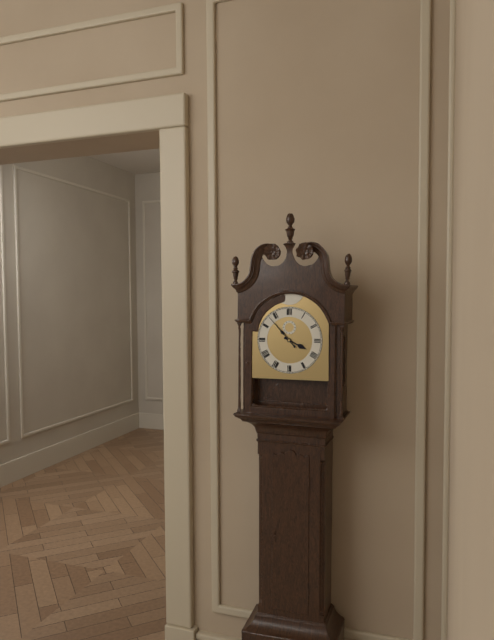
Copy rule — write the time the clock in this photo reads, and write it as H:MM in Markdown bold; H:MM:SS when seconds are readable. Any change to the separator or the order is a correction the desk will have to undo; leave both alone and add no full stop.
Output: **3:53**
